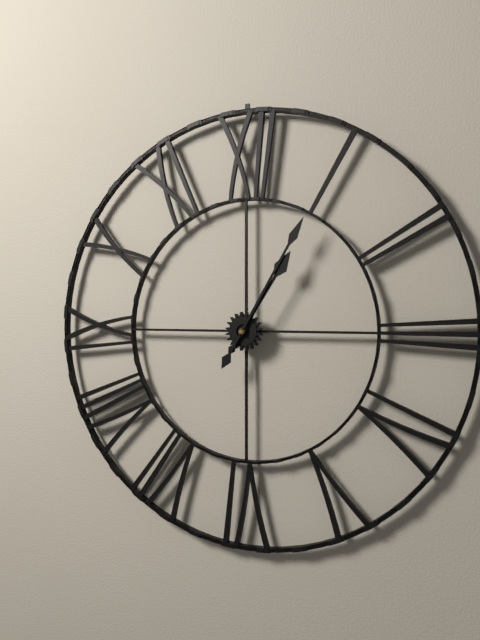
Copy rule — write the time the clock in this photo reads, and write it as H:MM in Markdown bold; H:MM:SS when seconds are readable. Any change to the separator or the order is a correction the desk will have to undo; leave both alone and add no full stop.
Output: **1:05**
